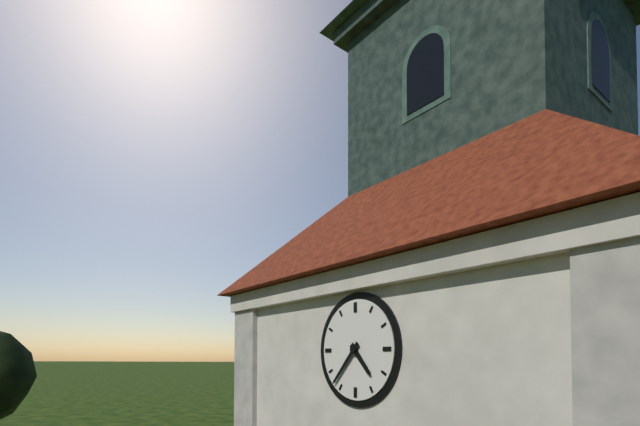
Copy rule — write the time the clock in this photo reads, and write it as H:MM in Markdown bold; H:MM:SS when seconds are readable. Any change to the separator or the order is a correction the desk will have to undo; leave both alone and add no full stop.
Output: **4:37**
